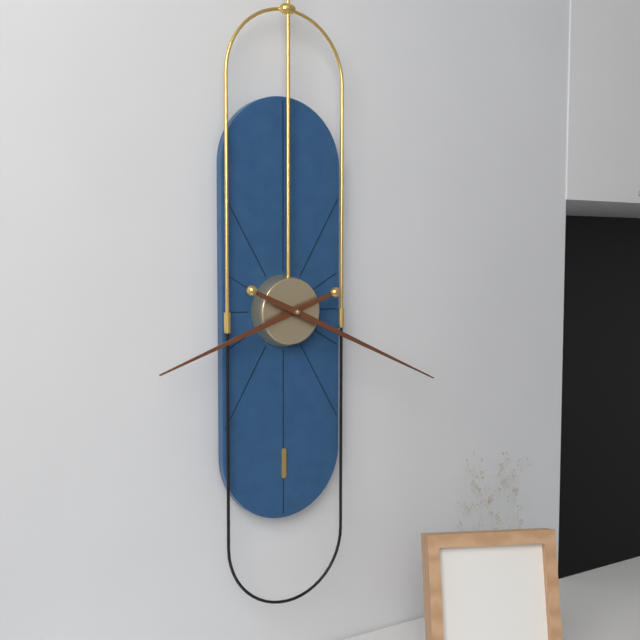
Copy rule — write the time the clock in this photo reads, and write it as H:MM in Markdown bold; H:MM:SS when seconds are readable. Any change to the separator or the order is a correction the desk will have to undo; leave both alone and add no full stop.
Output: **8:19**
